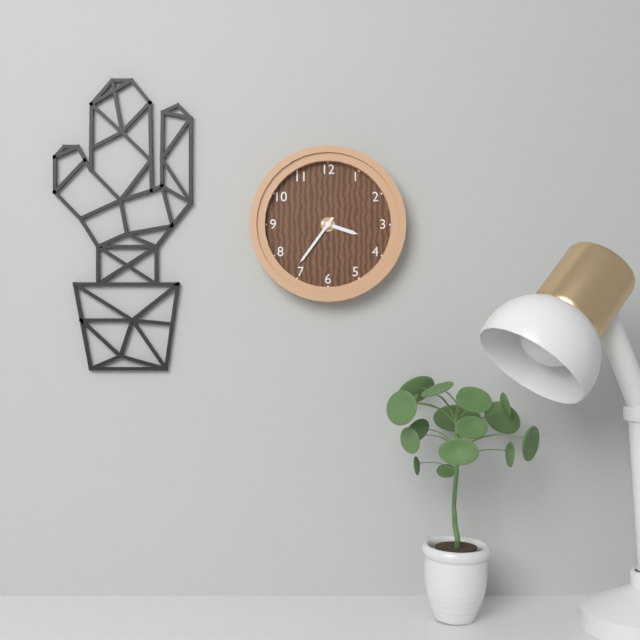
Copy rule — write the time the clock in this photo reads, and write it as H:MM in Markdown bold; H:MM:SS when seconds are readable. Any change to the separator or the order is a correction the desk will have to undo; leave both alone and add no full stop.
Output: **3:36**
